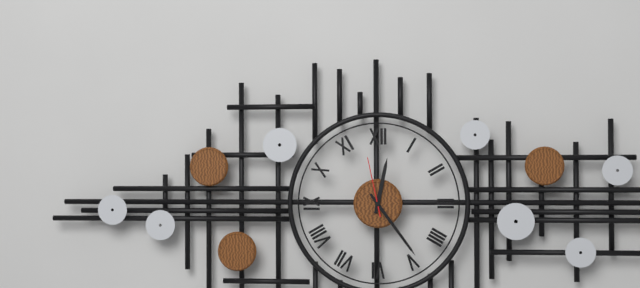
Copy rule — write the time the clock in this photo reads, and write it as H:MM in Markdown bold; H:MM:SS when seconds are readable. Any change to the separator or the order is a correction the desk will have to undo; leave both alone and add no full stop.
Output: **12:24:58**
